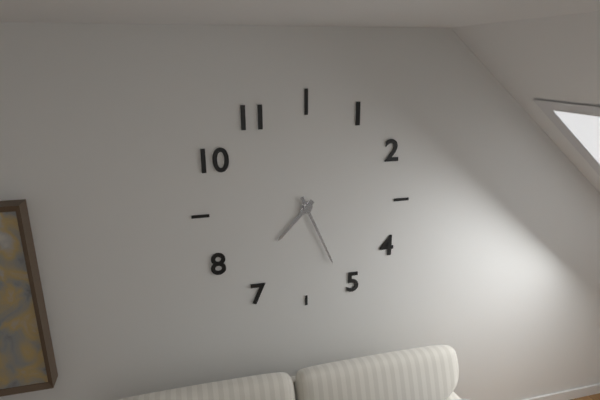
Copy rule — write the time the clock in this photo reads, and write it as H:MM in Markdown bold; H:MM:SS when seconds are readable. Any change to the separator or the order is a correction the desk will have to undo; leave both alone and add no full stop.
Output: **7:26**
